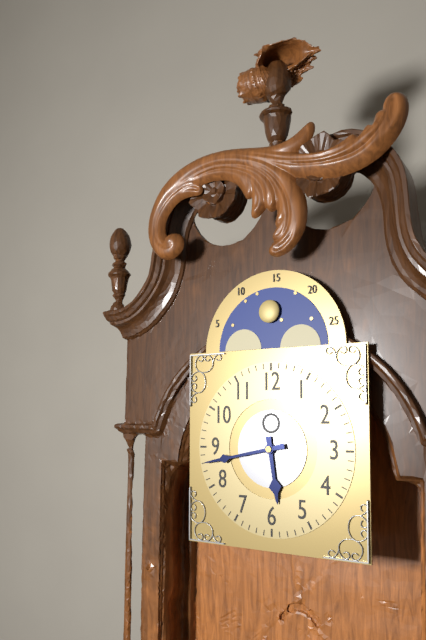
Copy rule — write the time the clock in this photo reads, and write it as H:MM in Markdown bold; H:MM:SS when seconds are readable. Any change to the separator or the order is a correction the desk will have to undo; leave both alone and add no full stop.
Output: **5:43**
